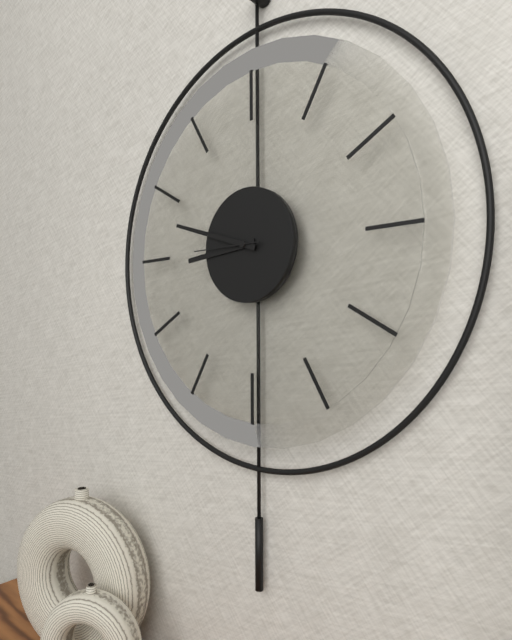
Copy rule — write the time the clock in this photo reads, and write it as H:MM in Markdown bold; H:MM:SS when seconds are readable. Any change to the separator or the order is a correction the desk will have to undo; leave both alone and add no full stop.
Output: **8:48:45**
